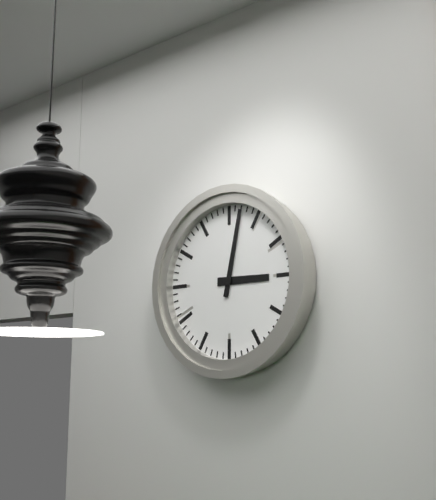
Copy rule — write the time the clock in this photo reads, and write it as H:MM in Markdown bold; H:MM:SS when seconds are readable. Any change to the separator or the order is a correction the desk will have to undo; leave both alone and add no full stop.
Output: **3:02**
